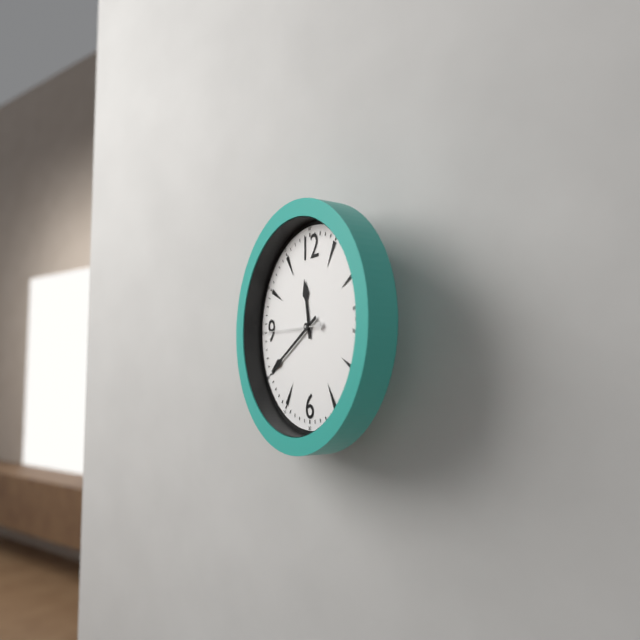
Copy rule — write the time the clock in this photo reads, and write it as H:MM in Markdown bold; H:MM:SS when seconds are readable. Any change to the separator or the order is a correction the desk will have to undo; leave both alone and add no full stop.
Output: **11:40:45**
